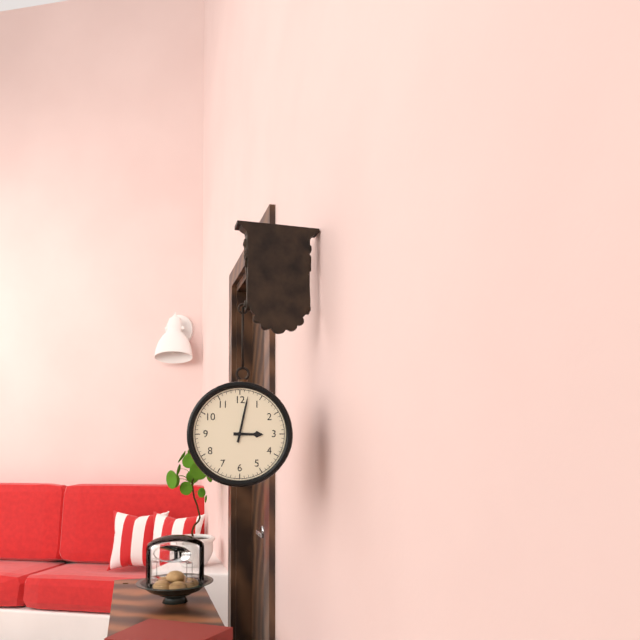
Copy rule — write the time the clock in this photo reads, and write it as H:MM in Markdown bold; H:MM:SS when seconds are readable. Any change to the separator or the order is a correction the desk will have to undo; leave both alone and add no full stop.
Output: **3:02**
